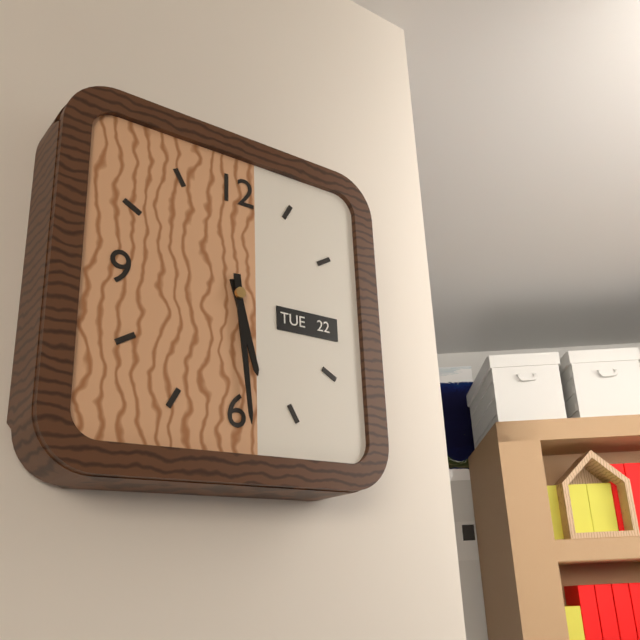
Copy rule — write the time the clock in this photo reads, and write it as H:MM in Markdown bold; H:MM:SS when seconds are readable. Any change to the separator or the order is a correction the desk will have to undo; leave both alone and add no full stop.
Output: **5:29**
